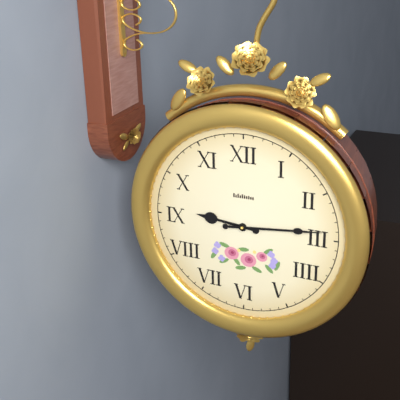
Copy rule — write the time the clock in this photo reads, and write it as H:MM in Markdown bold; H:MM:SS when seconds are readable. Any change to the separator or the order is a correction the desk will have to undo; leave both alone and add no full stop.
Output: **9:14**
